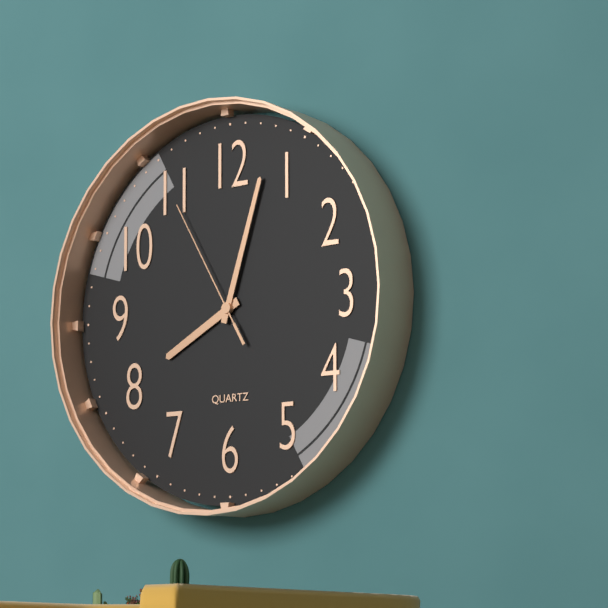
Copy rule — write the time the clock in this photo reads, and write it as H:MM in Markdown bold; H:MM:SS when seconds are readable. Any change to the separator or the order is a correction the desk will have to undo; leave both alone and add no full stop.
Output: **8:03:55**
